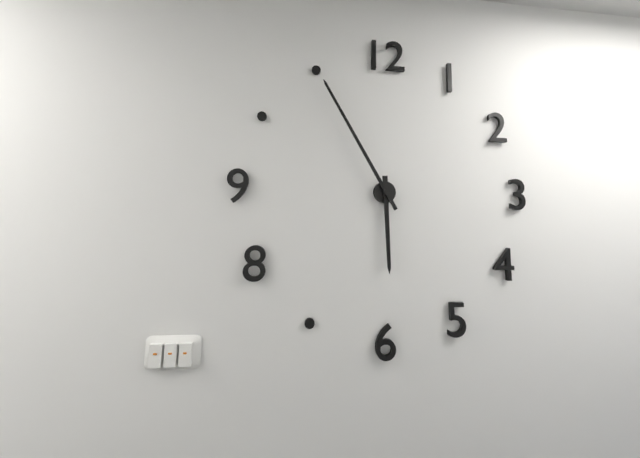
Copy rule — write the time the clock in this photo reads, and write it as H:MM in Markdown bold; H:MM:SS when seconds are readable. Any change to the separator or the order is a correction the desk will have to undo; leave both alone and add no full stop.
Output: **5:55**
